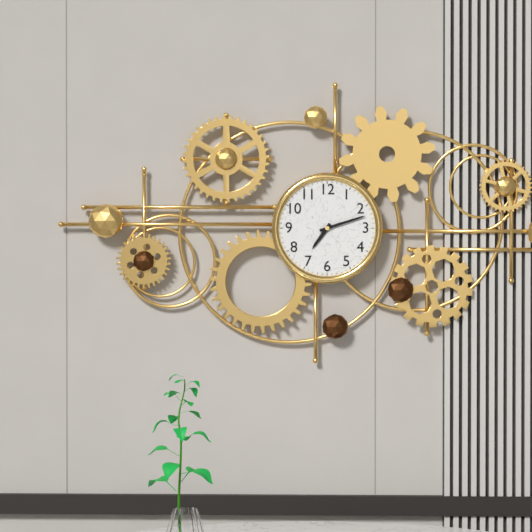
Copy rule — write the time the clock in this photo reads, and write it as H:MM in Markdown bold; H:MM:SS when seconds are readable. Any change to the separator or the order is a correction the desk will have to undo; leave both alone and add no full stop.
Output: **7:12**
